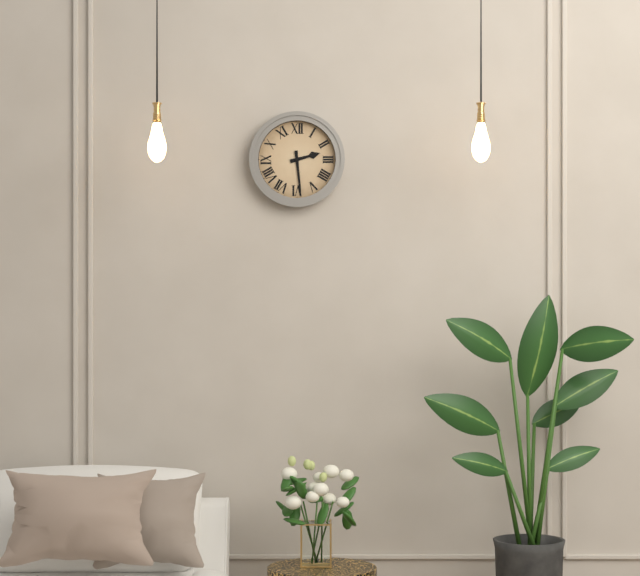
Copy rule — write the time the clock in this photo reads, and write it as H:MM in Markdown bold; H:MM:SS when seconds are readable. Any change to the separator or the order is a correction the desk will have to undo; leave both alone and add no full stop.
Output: **2:29**
